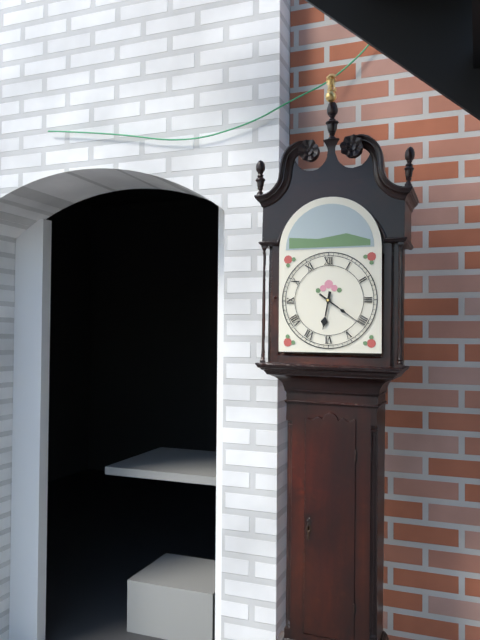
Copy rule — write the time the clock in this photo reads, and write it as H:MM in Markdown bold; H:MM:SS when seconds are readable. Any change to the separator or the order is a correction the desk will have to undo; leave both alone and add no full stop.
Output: **6:21**
